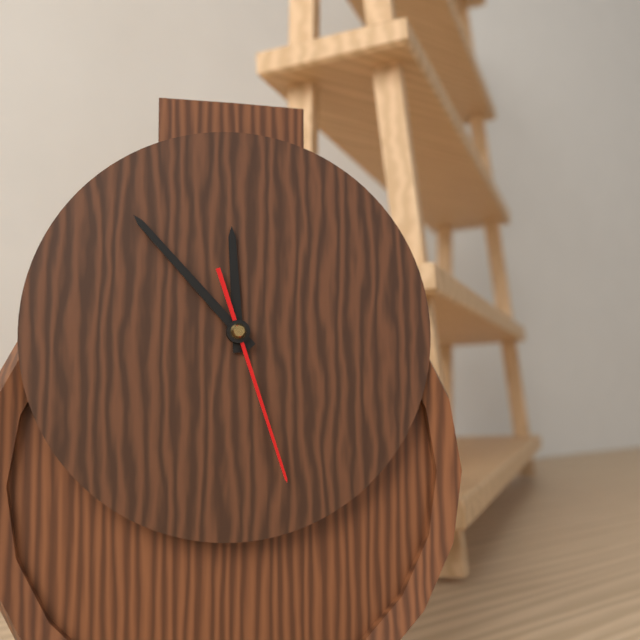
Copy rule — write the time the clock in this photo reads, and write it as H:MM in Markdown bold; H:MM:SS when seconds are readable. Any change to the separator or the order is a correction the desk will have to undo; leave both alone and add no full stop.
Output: **11:53:27**
